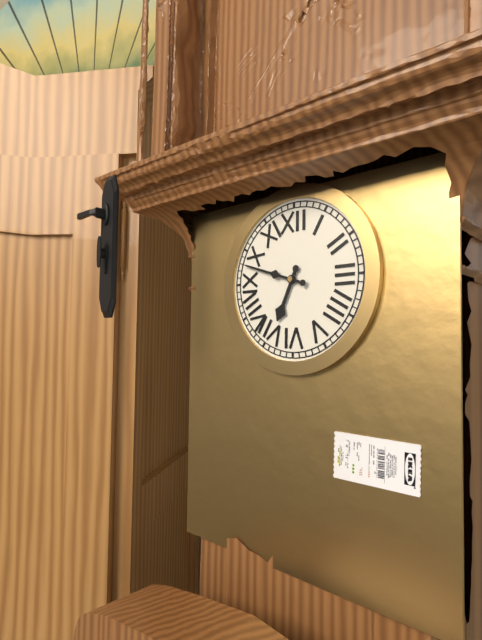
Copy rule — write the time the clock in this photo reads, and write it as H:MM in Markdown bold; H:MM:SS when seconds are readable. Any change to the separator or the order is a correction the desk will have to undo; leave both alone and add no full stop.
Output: **6:48**
